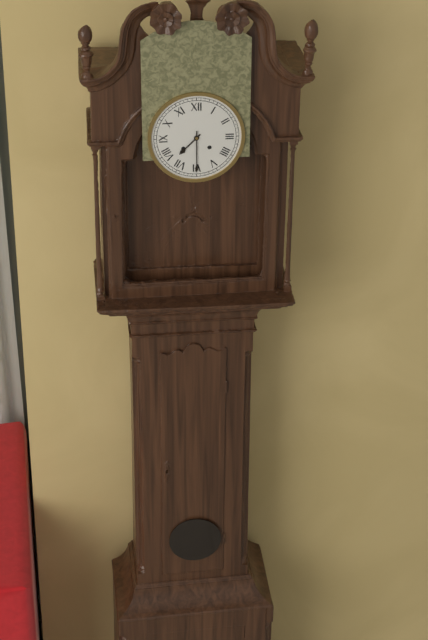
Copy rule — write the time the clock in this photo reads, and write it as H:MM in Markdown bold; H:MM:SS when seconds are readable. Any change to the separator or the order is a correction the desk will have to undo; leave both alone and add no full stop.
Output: **7:30**
